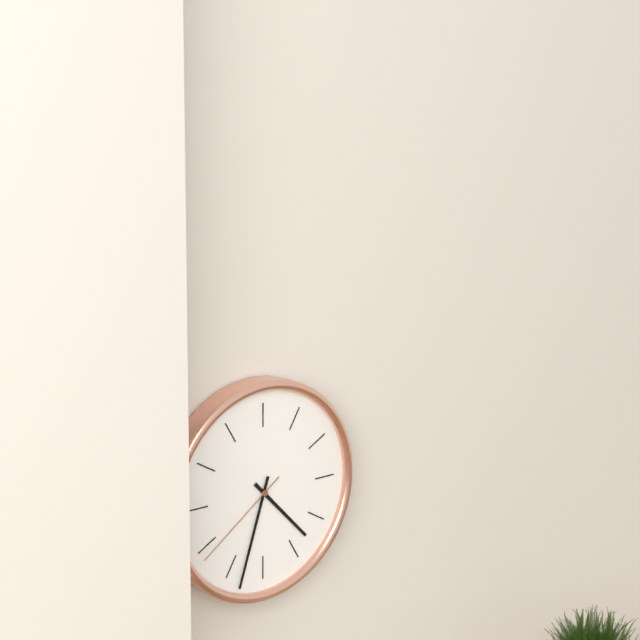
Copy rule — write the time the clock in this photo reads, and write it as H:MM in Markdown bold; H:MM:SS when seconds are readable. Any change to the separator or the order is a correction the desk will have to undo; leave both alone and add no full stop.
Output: **4:33:39**
